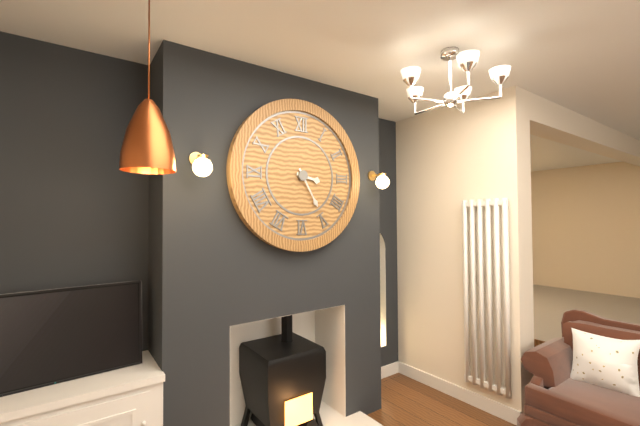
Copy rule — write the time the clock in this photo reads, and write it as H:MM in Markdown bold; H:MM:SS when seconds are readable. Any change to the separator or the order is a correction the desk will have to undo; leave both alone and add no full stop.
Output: **3:25**
